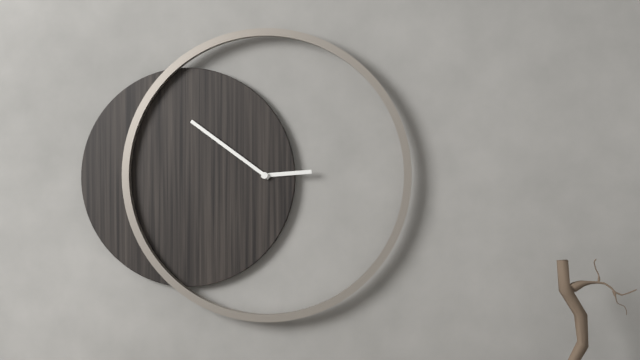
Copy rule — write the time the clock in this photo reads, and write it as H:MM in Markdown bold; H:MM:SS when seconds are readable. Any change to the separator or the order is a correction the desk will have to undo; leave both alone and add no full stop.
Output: **2:51**
